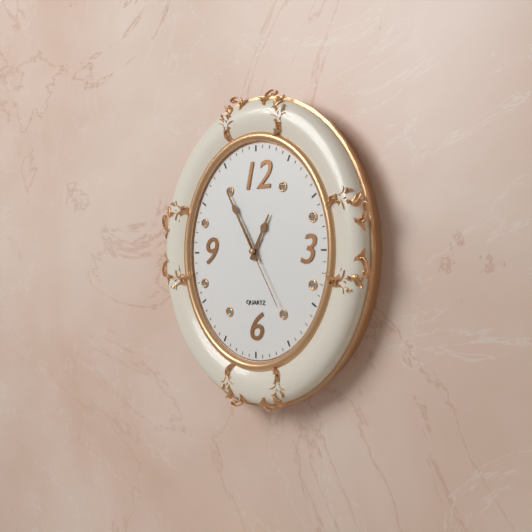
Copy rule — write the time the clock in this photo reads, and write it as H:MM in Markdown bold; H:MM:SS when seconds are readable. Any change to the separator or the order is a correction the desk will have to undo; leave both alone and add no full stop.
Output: **12:55:25**
